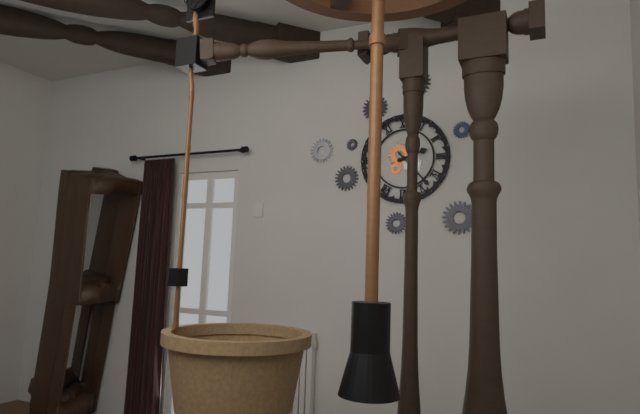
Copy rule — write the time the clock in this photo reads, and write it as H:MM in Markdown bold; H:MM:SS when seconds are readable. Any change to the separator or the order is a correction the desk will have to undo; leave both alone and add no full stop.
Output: **2:23**
